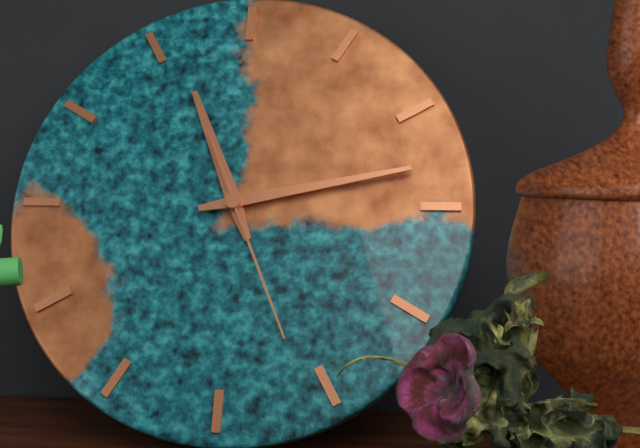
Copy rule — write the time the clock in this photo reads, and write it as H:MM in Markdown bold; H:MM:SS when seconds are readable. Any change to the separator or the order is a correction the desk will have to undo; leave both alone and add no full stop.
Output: **11:13:26**
